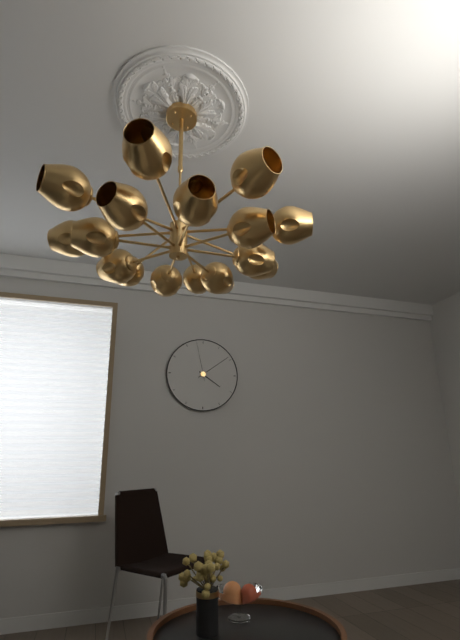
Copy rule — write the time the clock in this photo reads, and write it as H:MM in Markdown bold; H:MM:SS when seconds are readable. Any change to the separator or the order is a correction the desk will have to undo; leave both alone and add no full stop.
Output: **4:09**
